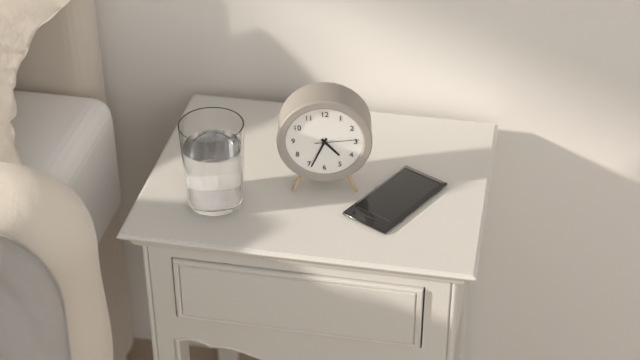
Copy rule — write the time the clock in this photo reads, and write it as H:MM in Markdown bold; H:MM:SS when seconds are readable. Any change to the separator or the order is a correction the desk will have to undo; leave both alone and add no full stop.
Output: **4:34**
